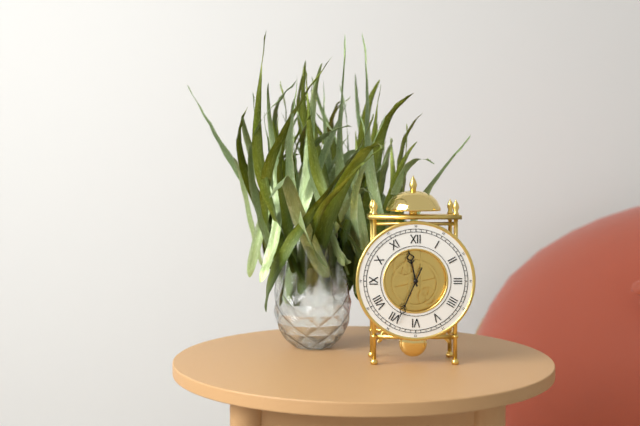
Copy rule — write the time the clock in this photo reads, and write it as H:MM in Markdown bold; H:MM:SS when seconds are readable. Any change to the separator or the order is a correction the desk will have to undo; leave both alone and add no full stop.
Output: **11:34**
